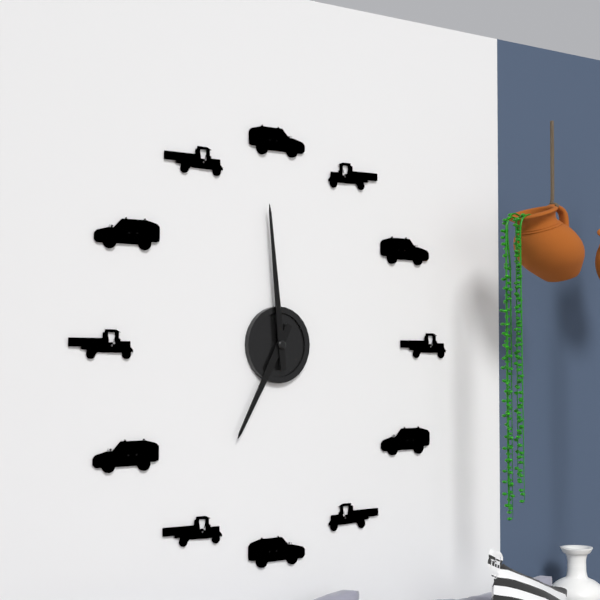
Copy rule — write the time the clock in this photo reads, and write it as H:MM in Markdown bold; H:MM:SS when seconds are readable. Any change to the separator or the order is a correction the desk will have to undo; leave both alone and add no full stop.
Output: **6:59**
